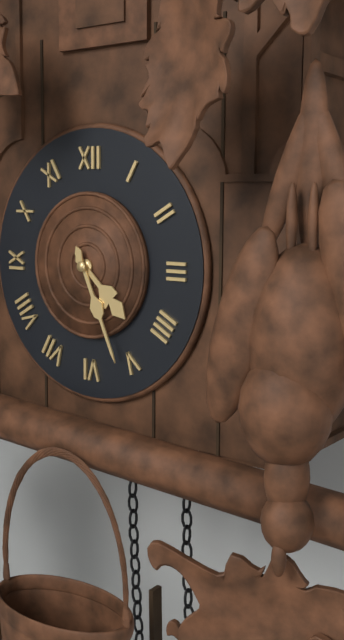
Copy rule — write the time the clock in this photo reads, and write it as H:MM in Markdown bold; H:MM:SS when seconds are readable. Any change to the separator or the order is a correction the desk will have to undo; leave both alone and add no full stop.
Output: **4:26**
